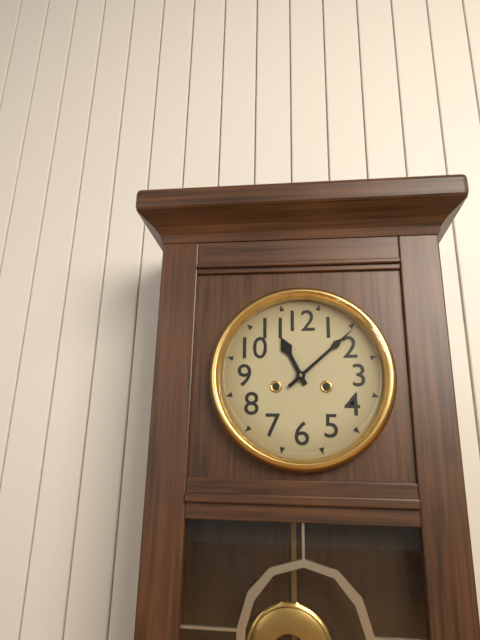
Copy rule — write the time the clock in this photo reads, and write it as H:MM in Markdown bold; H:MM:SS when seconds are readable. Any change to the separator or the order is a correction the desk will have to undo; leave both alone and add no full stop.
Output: **11:08**
